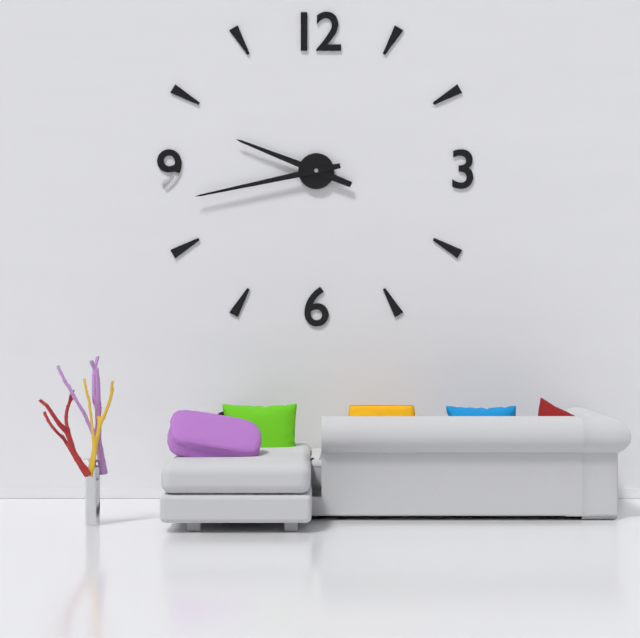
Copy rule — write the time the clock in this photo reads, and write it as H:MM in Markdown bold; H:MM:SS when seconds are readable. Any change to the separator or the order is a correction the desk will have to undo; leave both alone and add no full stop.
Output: **9:43**
